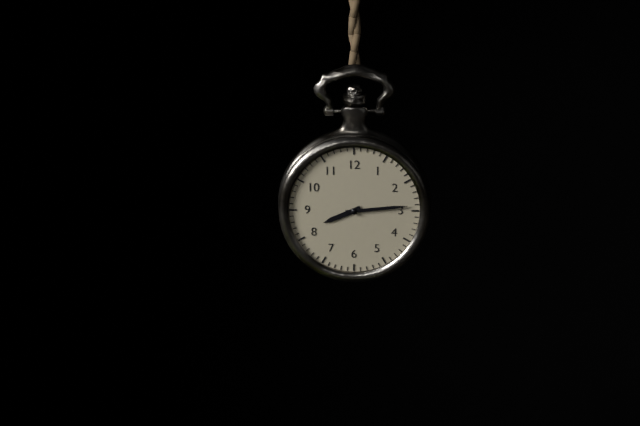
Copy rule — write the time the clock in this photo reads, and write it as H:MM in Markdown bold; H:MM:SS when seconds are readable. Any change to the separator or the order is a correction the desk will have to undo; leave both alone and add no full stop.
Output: **8:14**
